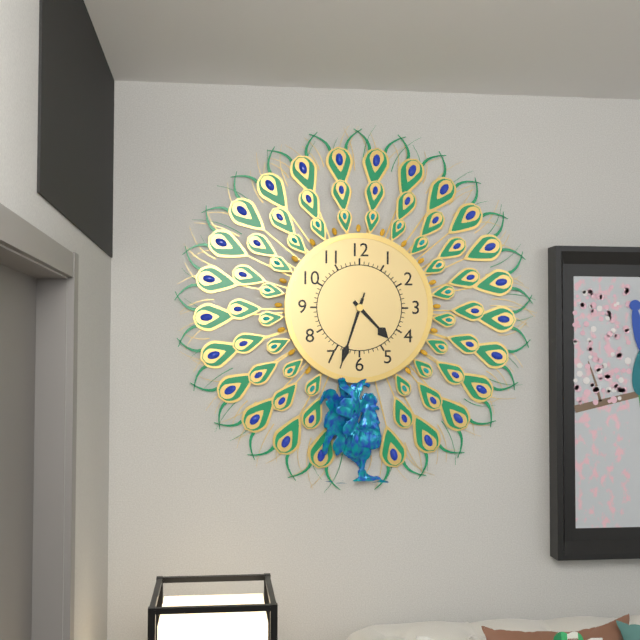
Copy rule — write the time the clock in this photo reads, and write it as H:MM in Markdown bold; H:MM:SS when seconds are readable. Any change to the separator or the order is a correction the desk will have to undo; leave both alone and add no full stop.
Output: **4:33:33**
